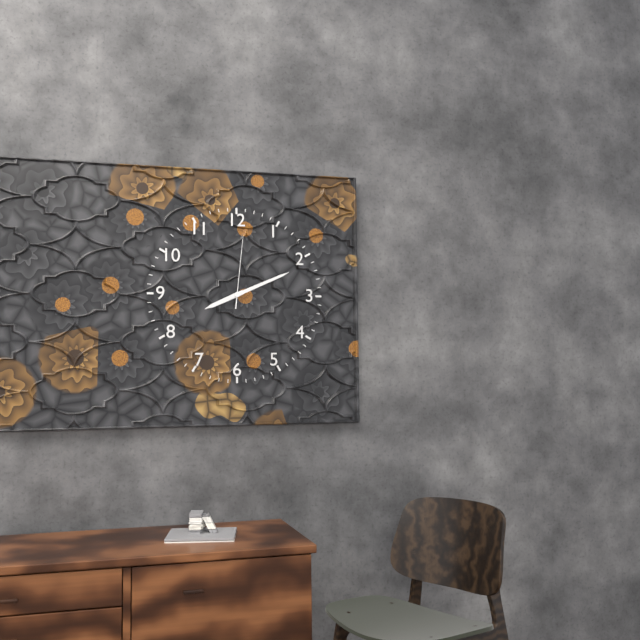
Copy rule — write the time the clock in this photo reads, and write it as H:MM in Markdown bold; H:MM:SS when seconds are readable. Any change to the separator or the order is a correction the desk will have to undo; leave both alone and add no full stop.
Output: **8:11:01**
